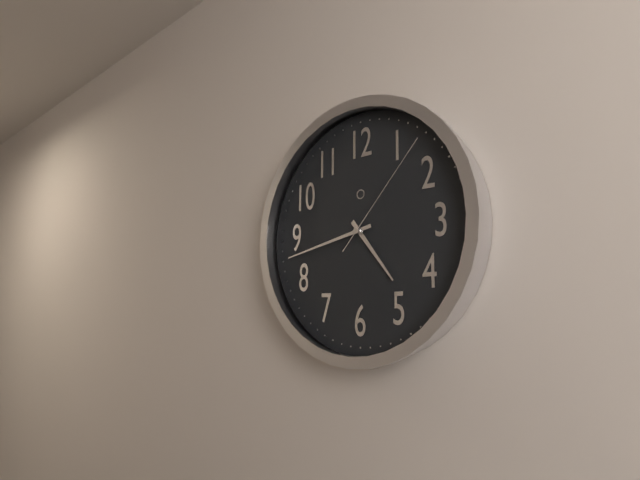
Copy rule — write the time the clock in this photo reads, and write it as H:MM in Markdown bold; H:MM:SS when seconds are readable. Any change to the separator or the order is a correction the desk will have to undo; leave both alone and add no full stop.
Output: **4:43:07**
